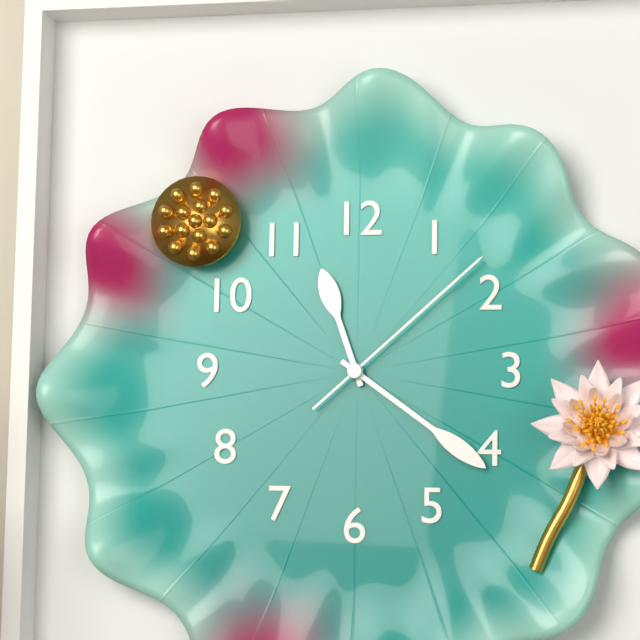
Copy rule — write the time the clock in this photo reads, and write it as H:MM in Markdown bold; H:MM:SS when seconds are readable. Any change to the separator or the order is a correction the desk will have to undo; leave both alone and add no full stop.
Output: **11:21:08**
